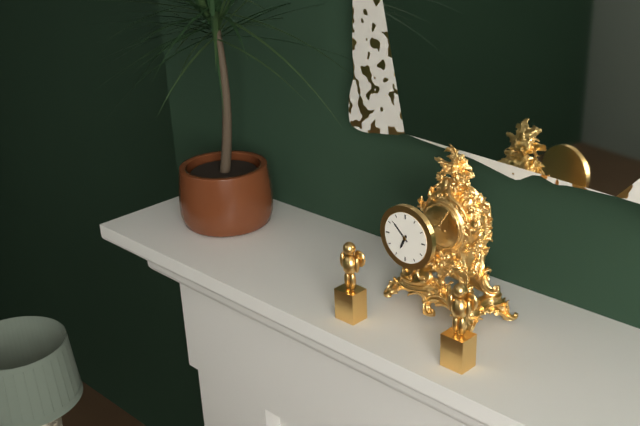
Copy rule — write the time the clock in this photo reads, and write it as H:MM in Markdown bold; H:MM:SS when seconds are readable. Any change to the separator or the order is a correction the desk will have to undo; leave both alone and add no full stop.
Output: **6:52**
